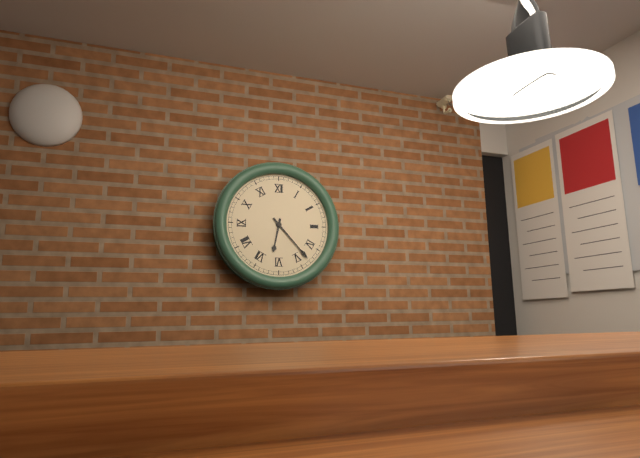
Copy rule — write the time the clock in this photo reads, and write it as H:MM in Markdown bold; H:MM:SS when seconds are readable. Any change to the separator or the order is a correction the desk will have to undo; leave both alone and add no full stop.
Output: **6:23**
